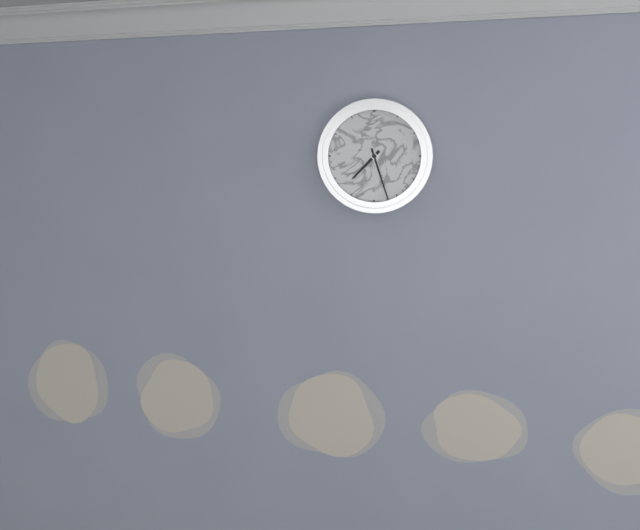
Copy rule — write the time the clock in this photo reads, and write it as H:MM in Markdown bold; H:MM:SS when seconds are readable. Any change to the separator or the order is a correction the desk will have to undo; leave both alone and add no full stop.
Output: **7:27**
